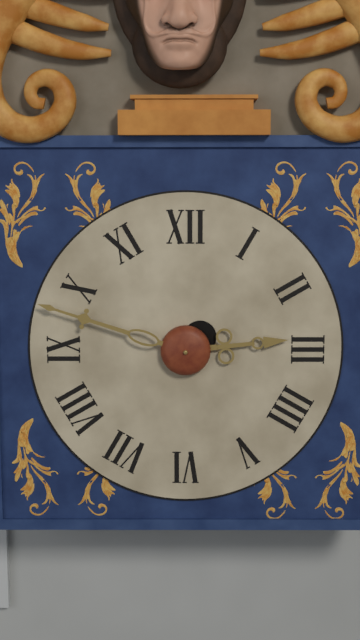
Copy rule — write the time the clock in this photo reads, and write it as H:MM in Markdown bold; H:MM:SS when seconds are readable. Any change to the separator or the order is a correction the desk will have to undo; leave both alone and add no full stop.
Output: **2:48**
